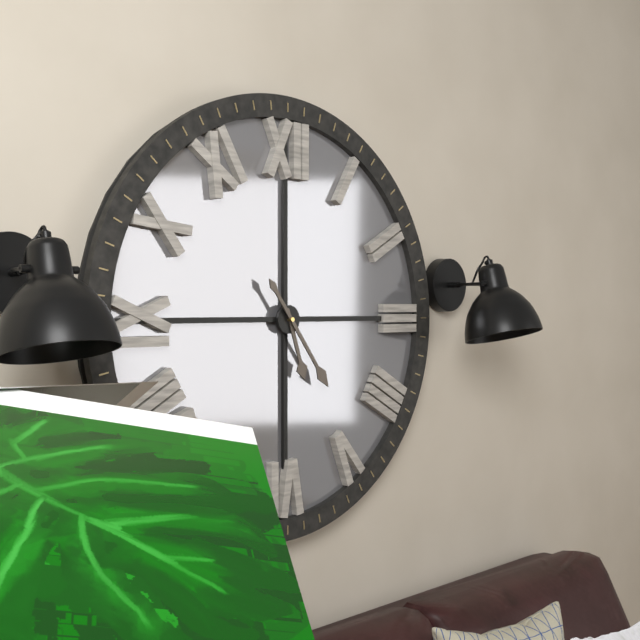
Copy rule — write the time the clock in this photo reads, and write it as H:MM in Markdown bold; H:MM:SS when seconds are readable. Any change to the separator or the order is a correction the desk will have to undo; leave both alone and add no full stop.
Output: **5:24**
